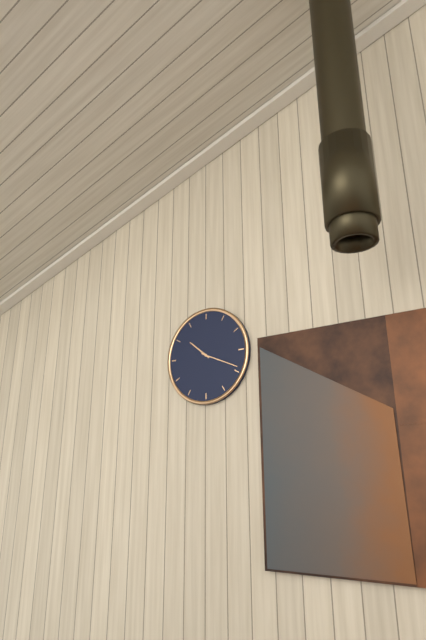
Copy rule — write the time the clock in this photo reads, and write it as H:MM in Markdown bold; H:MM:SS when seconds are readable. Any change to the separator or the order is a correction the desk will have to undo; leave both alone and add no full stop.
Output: **10:19**
